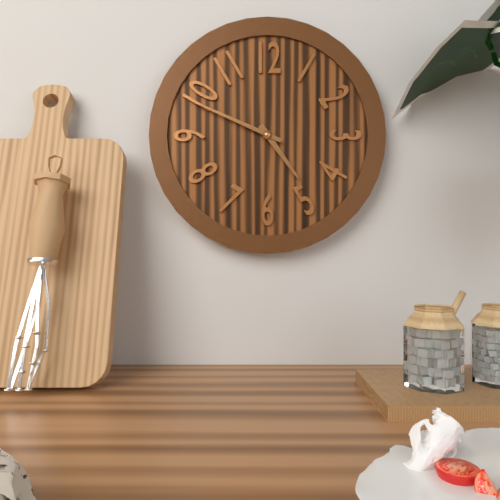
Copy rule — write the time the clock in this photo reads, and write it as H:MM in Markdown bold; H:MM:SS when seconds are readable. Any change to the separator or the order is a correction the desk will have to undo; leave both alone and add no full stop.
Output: **4:49**
